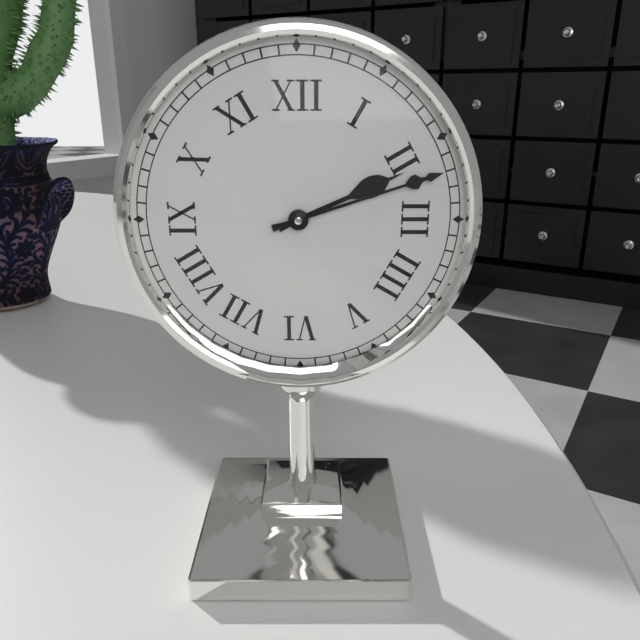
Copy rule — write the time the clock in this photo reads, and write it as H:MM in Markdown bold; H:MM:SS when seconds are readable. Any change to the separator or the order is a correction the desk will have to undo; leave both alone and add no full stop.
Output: **2:12**
